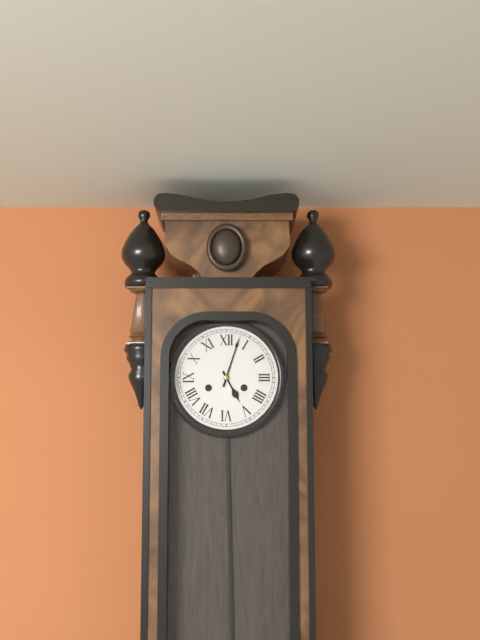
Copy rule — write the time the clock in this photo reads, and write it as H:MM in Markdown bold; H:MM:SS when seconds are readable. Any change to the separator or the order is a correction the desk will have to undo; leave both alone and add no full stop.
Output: **5:03**
